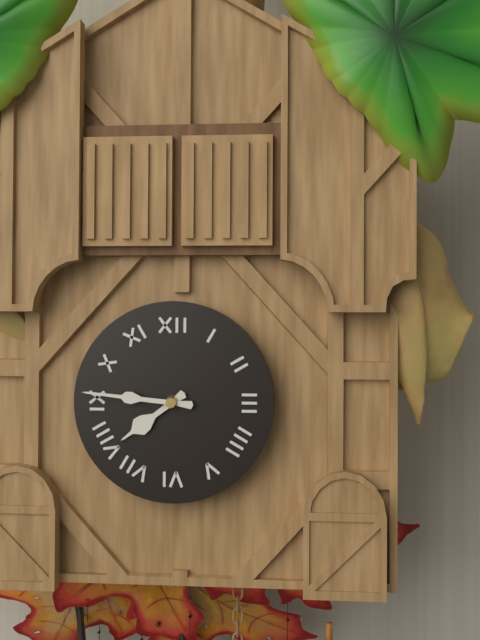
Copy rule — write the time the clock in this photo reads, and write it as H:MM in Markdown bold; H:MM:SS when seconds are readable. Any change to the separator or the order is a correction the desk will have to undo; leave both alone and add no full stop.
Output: **7:46**
